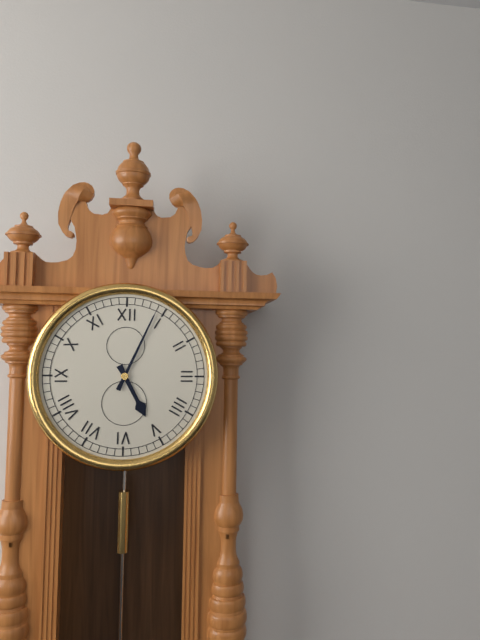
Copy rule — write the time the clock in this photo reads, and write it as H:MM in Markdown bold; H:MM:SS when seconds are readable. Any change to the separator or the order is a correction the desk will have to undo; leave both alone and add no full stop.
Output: **5:04**
